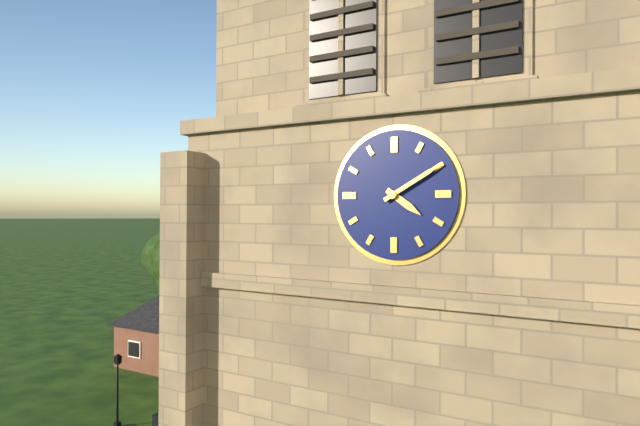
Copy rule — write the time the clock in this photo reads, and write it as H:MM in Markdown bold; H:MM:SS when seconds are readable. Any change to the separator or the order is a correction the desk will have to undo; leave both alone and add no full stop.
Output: **4:10**
